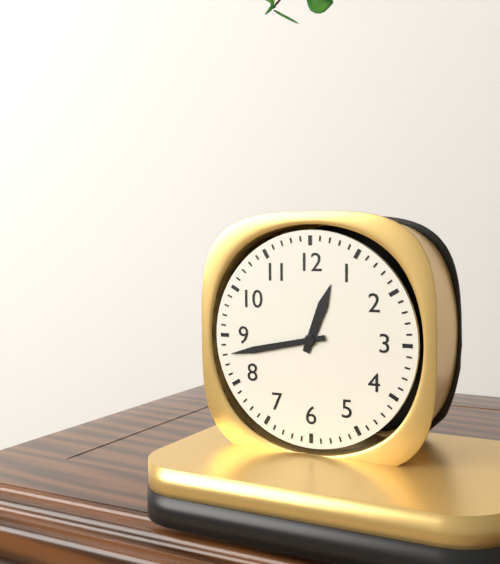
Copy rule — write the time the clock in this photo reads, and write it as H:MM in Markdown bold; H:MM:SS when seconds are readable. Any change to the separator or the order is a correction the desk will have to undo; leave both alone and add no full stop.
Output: **12:43**
